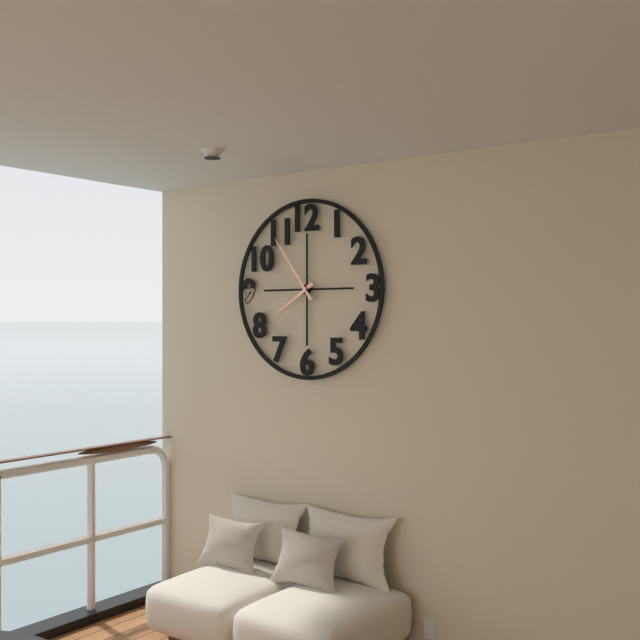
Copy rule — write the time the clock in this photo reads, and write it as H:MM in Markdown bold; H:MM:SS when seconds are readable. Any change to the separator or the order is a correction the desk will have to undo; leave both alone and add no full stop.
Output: **7:54**
